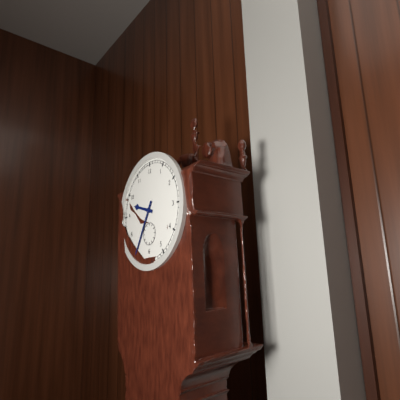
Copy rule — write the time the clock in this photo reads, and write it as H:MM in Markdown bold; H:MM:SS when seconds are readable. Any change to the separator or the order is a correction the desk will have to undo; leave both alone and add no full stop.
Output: **9:35**
